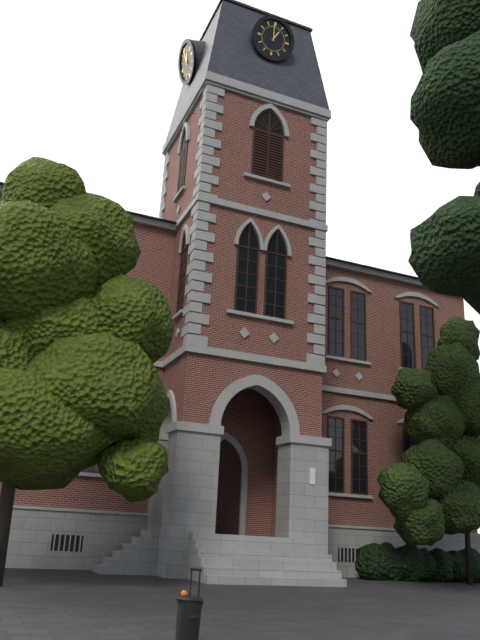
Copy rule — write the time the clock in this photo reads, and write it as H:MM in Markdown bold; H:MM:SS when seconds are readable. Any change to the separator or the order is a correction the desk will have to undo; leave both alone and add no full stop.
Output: **12:59**
